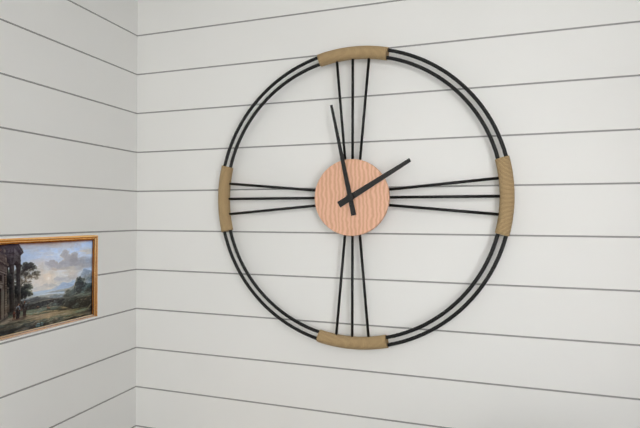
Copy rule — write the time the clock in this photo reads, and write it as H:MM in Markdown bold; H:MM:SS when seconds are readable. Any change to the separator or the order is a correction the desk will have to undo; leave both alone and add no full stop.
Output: **1:58**
